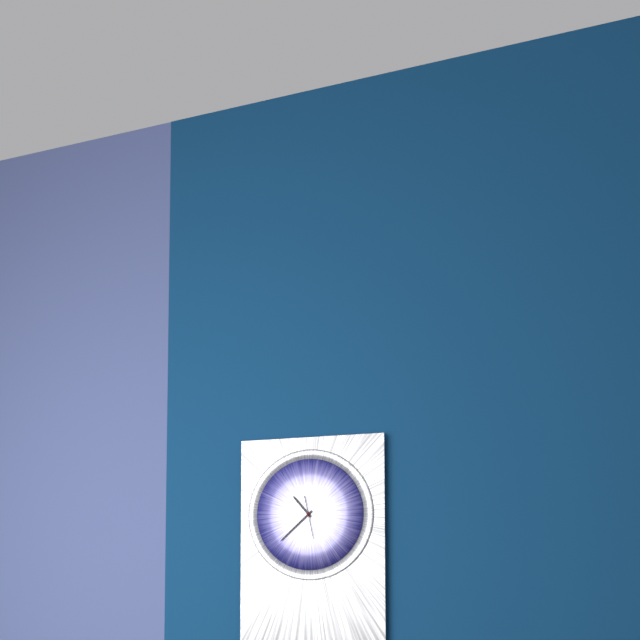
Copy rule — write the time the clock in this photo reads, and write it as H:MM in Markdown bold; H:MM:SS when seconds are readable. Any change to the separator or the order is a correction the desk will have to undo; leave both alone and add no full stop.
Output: **10:38**
